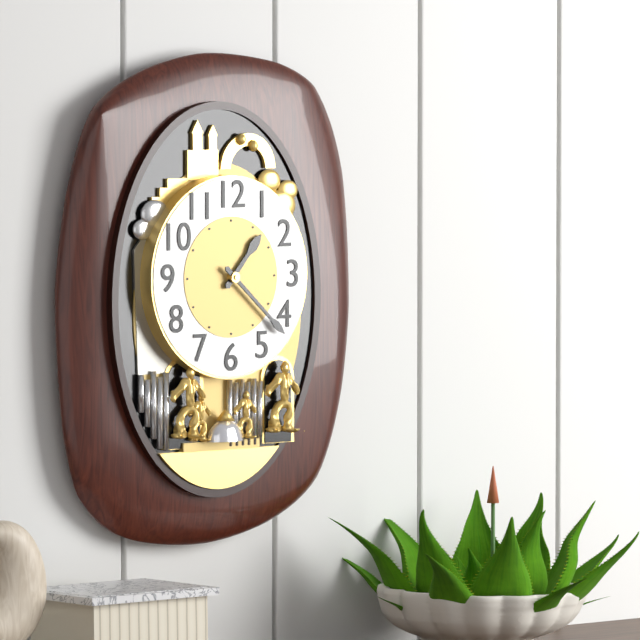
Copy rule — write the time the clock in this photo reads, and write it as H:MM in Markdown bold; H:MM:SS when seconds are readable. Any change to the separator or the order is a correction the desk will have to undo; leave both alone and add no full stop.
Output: **1:22**
